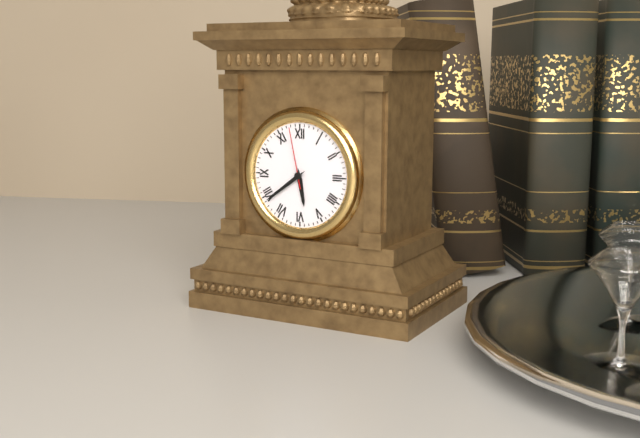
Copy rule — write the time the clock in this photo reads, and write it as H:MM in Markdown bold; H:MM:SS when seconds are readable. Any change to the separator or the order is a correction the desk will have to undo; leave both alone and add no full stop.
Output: **5:39:58**
